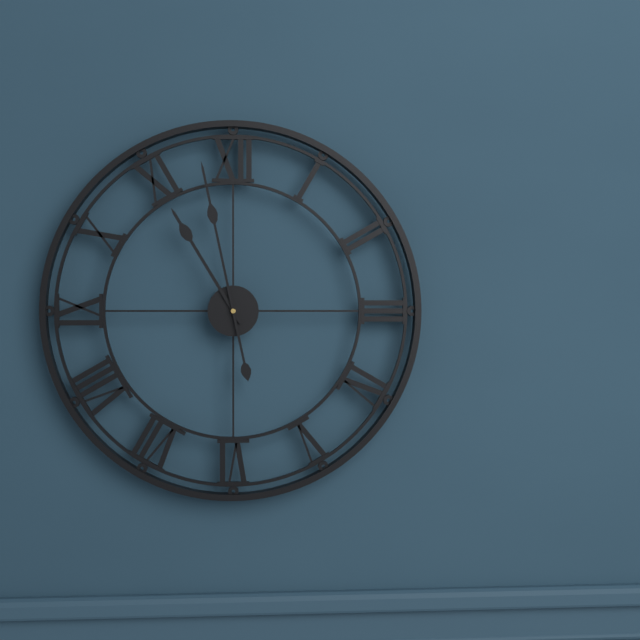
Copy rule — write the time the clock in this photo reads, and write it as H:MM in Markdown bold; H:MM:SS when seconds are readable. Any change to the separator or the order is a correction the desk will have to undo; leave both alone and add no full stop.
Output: **10:58**
